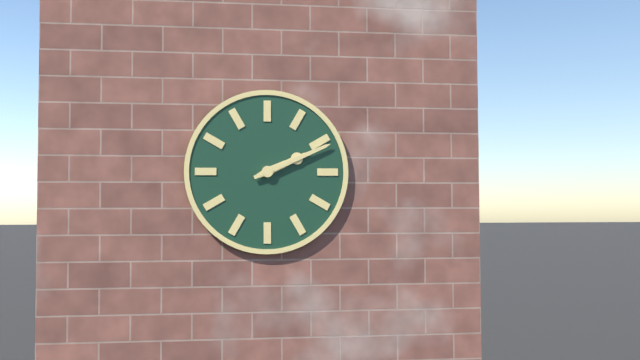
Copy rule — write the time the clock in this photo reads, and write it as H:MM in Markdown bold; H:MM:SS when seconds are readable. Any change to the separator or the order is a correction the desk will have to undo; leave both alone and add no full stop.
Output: **2:11**
